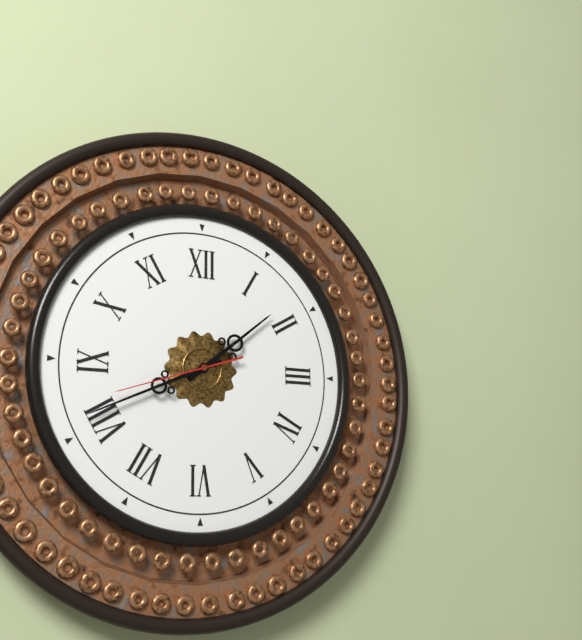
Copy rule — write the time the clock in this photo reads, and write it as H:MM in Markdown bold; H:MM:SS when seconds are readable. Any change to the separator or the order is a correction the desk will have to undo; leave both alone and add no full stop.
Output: **1:41:42**
